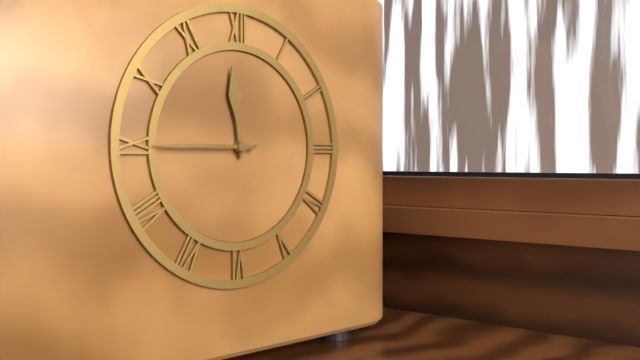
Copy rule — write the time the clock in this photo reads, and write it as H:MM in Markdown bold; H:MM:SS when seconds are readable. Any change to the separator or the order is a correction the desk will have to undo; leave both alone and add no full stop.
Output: **11:45**
